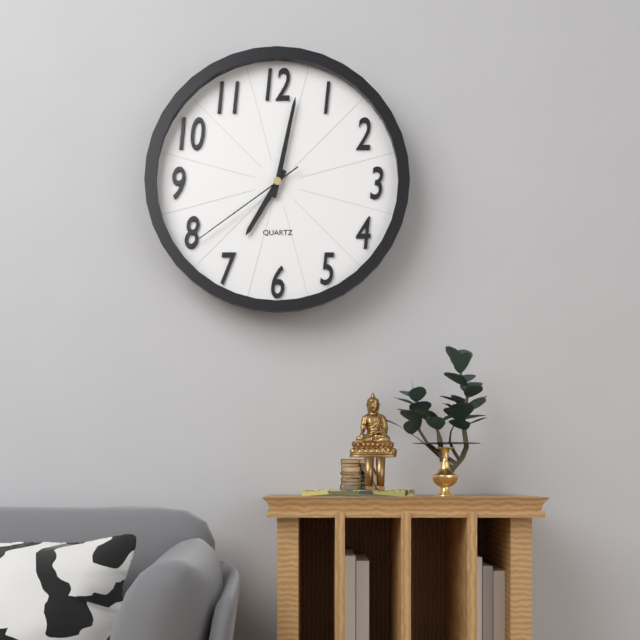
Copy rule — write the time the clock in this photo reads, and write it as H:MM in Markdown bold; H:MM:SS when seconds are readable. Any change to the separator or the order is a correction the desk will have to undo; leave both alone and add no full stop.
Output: **7:02:39**
